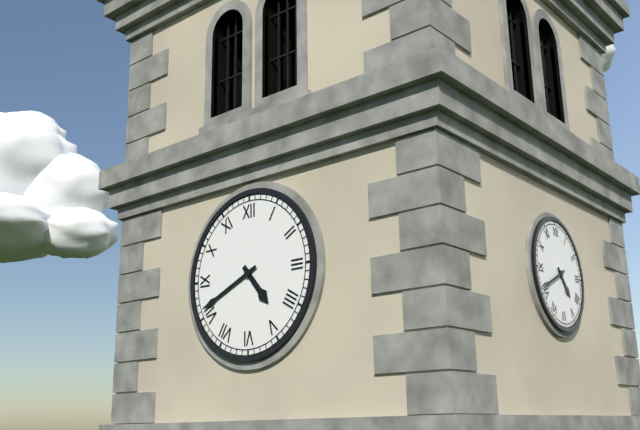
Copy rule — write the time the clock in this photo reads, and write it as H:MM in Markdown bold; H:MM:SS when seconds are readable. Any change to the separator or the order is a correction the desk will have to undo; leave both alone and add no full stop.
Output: **4:41**
